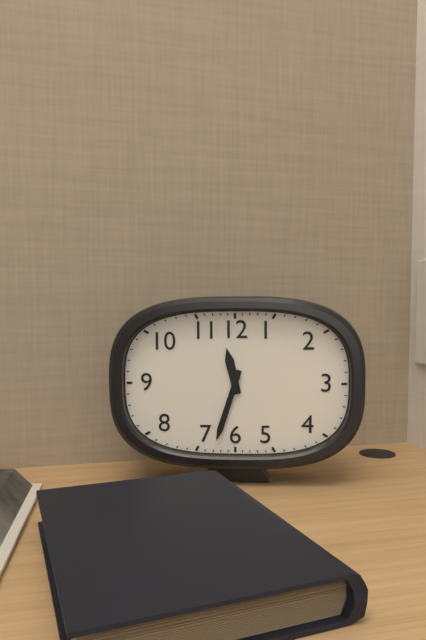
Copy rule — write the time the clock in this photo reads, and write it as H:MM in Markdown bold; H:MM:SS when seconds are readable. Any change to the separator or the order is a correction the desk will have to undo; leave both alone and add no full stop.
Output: **11:33**
